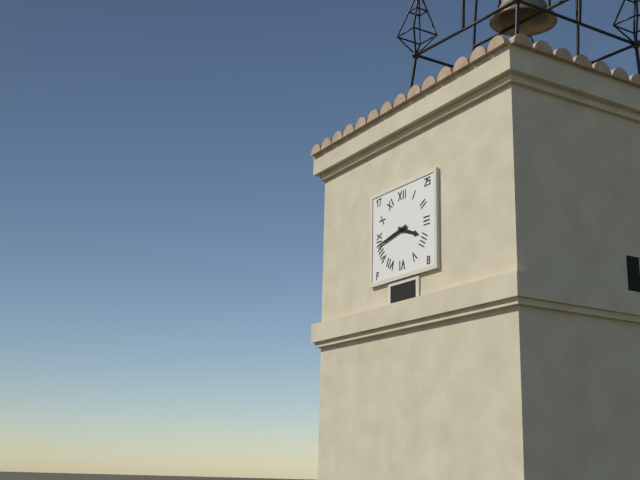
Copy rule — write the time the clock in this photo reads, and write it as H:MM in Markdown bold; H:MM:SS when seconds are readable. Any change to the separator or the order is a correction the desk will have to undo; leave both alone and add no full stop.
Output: **3:43**
